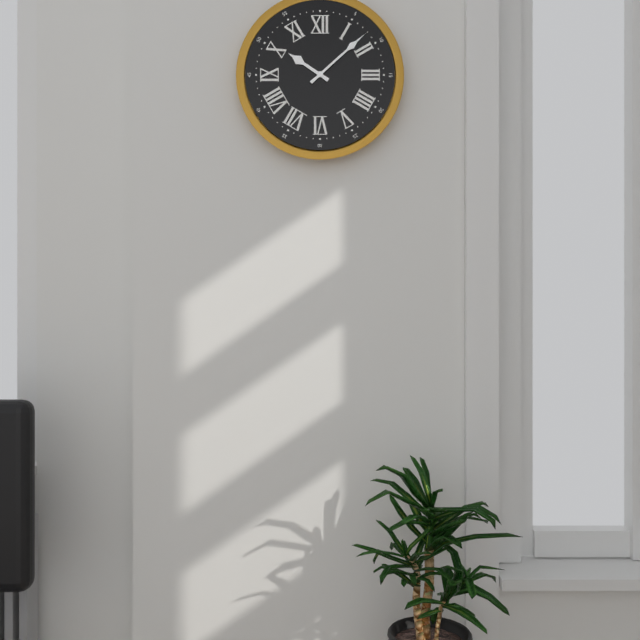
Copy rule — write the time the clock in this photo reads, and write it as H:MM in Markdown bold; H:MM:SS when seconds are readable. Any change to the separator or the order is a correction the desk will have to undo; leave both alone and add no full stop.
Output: **10:08**
